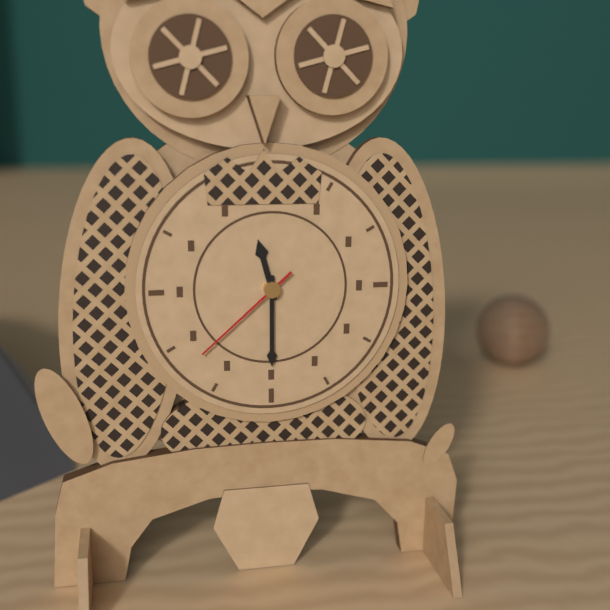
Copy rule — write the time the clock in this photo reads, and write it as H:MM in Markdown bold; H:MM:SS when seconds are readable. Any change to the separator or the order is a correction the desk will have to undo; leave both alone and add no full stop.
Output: **11:30:38**
